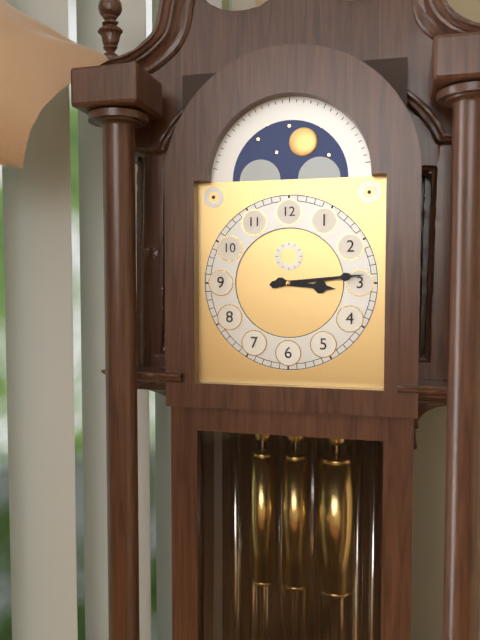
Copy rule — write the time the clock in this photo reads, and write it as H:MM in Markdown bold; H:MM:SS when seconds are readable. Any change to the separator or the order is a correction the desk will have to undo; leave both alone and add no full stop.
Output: **3:14**
